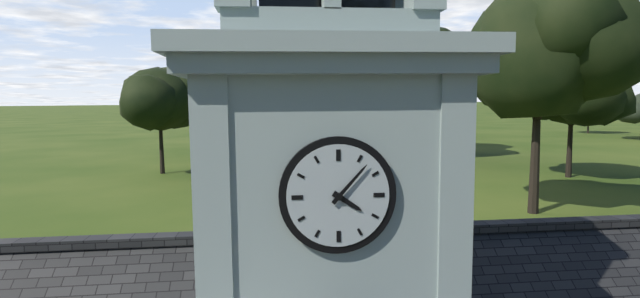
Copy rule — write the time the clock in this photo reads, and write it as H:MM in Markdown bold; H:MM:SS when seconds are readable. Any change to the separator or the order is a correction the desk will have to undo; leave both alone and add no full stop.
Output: **4:07**
